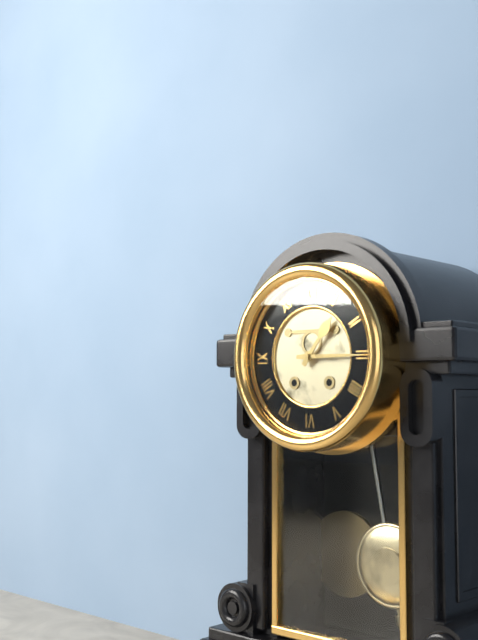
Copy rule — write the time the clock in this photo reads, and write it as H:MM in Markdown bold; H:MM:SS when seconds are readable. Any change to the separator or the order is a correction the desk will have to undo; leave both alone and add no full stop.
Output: **1:15**
